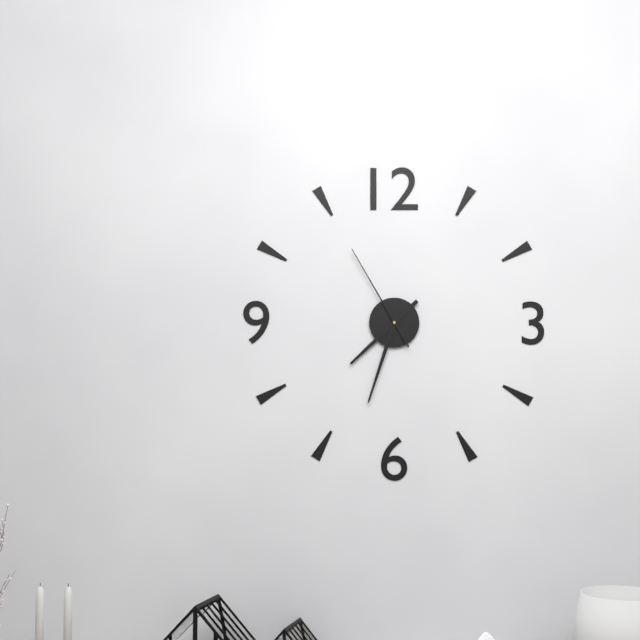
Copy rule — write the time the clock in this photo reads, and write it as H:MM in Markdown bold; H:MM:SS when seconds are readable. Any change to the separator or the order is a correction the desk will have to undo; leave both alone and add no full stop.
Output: **7:33:55**
